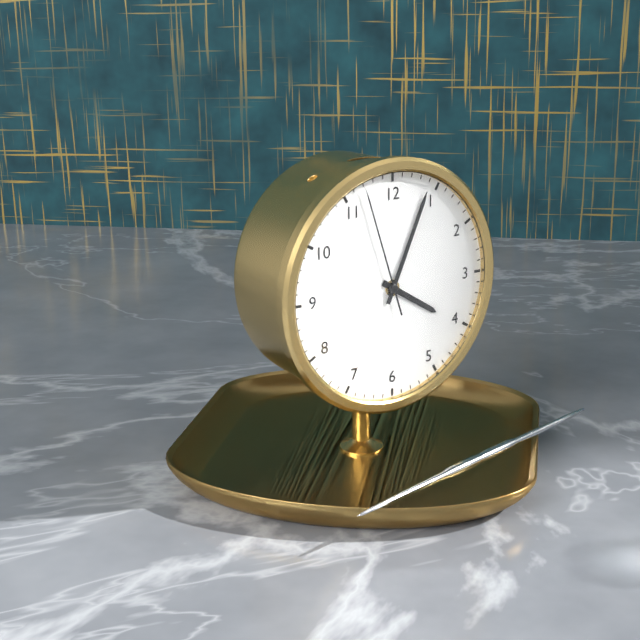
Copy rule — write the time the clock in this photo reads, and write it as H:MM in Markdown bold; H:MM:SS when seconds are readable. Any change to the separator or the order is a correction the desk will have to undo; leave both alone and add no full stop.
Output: **4:04:57**
